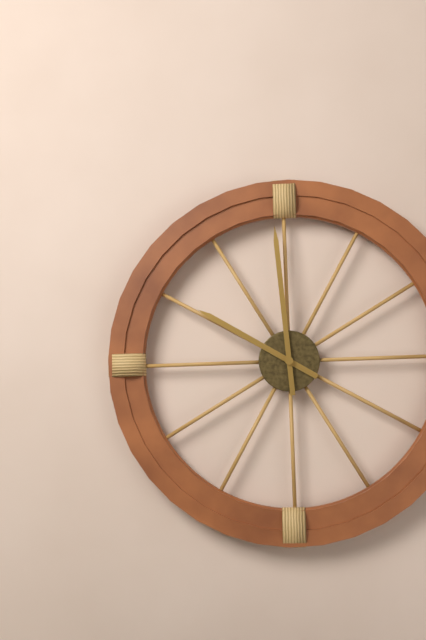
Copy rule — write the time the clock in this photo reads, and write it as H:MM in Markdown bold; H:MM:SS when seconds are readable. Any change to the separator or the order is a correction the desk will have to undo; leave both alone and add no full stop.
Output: **9:59**
